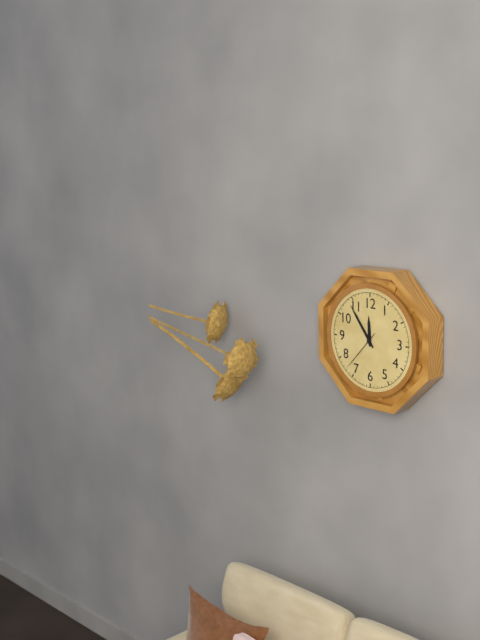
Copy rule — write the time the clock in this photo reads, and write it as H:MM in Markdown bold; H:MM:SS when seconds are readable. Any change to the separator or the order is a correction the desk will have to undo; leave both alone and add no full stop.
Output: **11:54**
